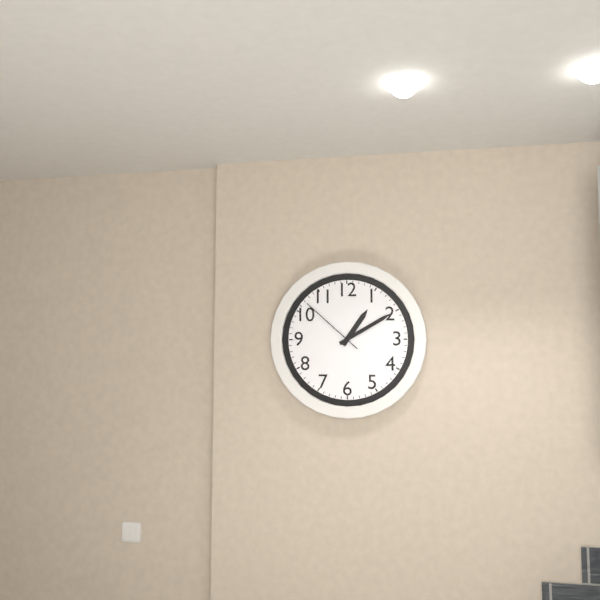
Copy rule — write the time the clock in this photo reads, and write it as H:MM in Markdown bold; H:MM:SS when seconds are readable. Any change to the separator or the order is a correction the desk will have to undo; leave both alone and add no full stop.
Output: **1:10:52**
